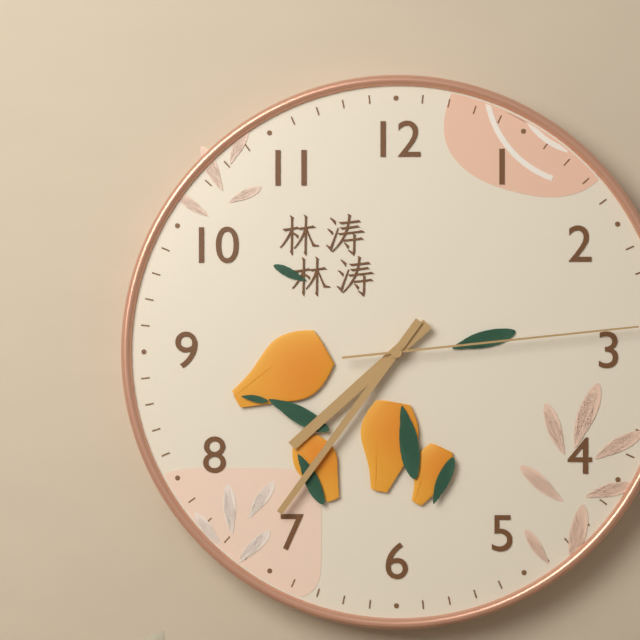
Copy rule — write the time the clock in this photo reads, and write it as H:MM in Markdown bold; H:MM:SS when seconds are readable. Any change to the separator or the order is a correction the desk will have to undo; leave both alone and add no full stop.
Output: **7:36:14**
